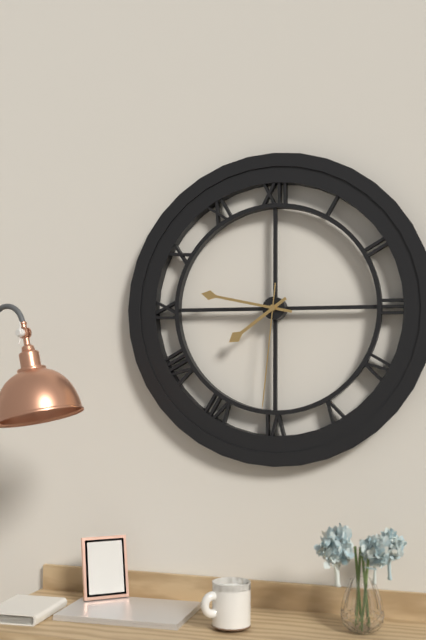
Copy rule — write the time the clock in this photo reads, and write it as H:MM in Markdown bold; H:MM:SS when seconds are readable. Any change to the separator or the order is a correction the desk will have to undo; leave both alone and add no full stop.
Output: **7:47:31**
